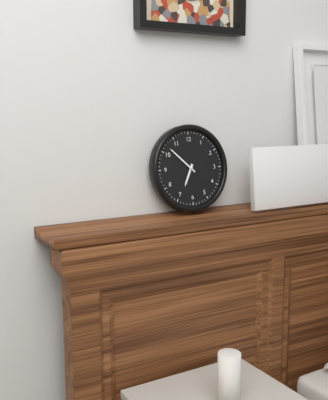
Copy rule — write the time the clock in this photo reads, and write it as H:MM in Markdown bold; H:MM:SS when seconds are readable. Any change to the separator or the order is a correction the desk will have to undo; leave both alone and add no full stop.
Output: **6:52**
